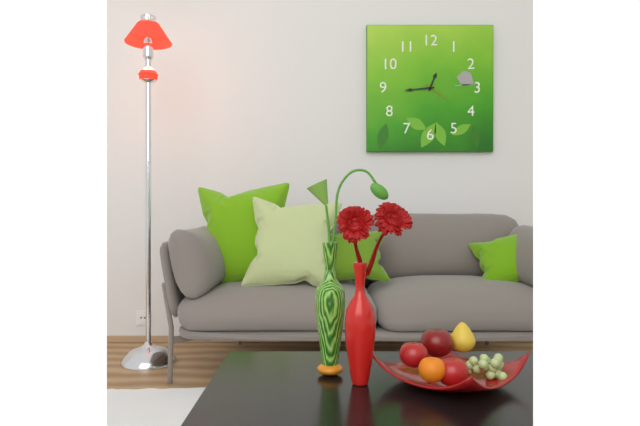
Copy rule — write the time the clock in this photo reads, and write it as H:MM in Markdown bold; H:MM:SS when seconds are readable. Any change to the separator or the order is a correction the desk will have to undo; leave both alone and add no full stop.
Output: **12:44**
